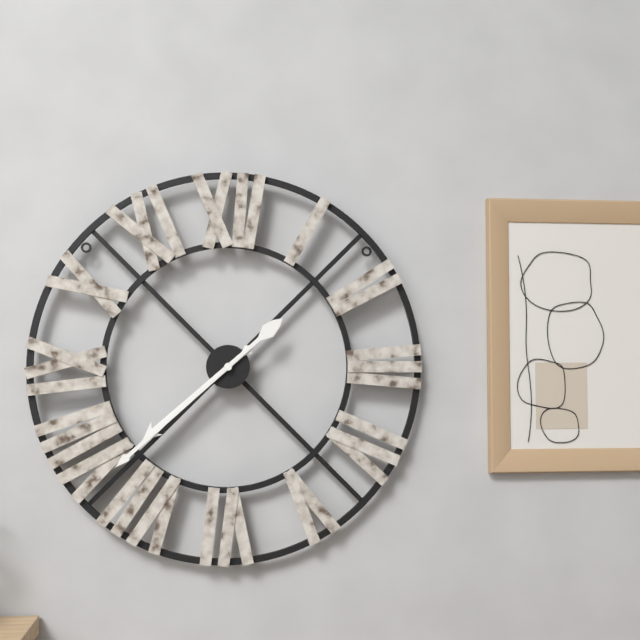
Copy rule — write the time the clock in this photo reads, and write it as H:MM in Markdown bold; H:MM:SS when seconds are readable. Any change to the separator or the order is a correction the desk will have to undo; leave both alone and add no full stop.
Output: **7:38**
